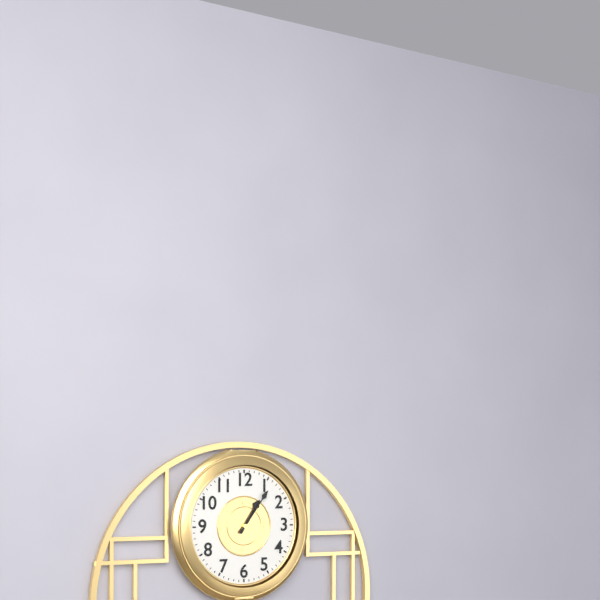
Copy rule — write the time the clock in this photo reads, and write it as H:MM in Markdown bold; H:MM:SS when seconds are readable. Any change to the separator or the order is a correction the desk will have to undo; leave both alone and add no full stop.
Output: **1:06**
